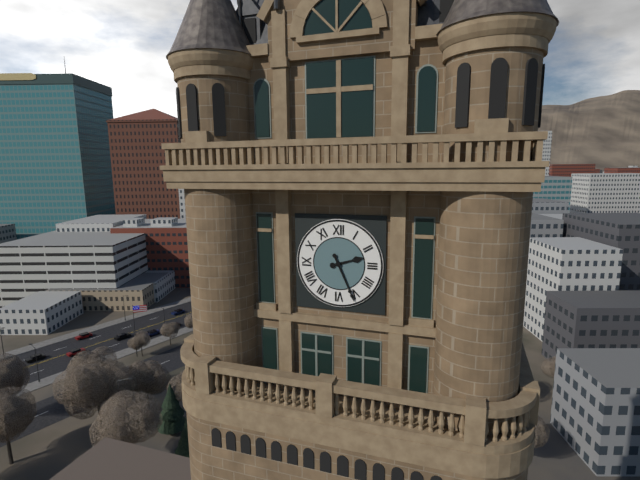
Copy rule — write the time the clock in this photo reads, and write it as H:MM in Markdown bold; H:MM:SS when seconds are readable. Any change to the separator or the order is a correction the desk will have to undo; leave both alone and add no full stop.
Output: **2:26**
